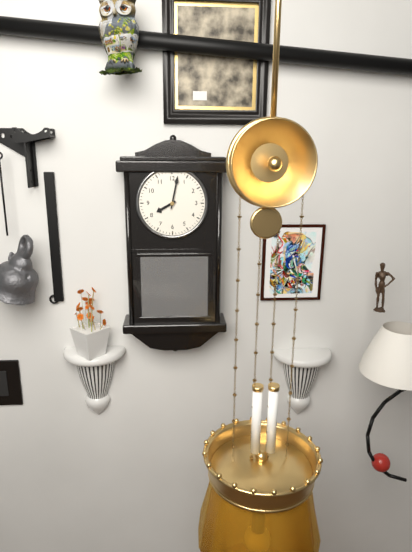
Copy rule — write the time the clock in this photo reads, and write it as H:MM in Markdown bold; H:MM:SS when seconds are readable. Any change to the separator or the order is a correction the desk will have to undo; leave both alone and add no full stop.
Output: **8:02**
